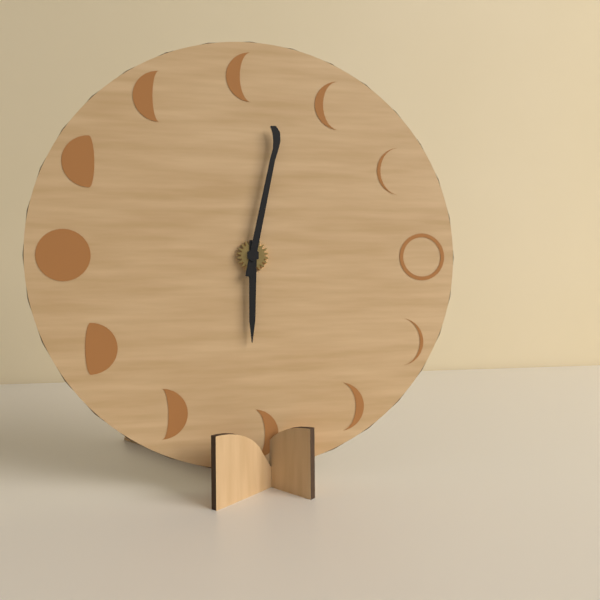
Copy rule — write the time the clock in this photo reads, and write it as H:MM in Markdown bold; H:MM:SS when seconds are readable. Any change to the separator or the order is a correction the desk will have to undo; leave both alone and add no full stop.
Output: **6:02**
